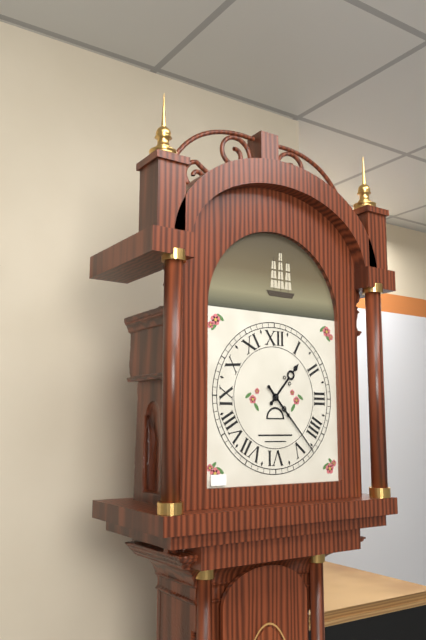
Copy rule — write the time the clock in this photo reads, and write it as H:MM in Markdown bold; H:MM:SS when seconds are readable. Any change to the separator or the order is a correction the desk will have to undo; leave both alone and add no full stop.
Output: **1:23**
